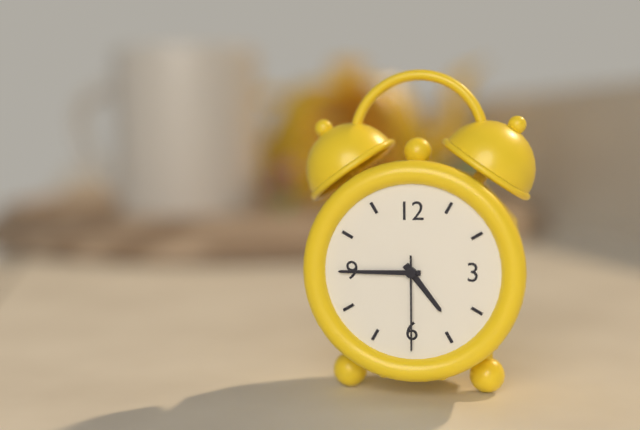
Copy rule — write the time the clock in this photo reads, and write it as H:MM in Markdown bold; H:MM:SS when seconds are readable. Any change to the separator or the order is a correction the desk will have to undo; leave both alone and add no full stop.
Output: **4:45:30**
